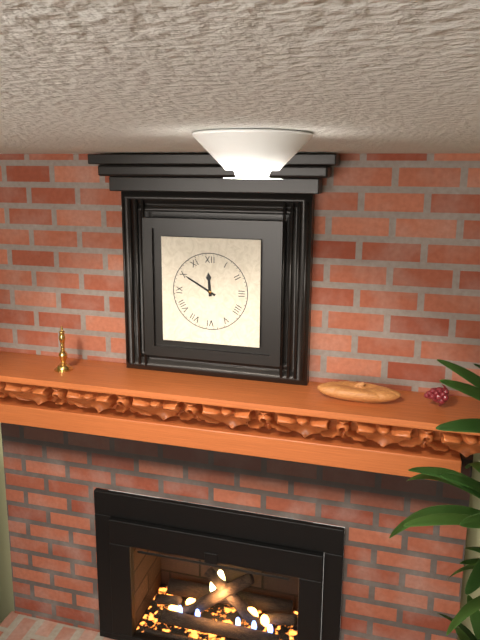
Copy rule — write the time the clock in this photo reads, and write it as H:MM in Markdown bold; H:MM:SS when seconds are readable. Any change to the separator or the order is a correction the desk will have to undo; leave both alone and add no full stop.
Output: **11:50**
